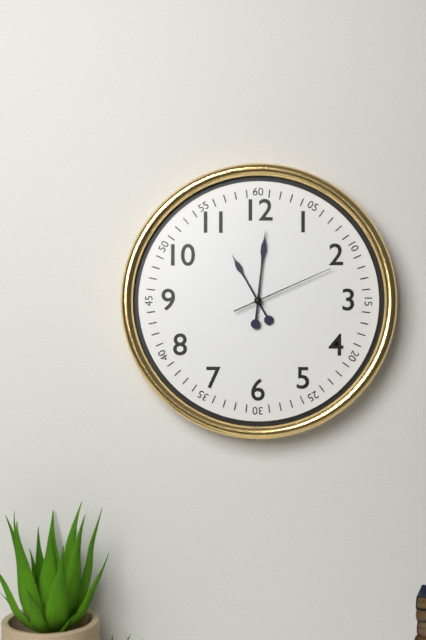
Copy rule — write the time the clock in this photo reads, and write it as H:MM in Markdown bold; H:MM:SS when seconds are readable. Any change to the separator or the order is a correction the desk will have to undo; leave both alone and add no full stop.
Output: **11:01:11**
